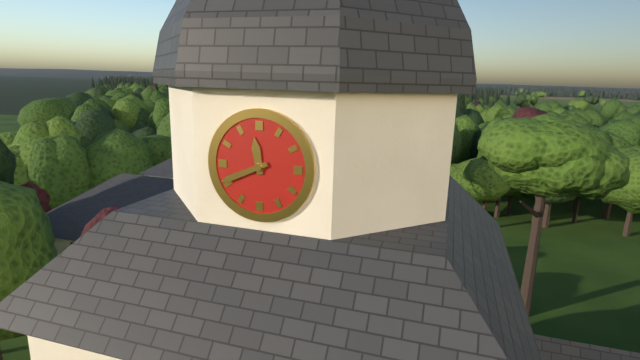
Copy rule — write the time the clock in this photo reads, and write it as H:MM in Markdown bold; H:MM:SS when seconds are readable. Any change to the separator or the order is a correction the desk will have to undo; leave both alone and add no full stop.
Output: **11:41**
